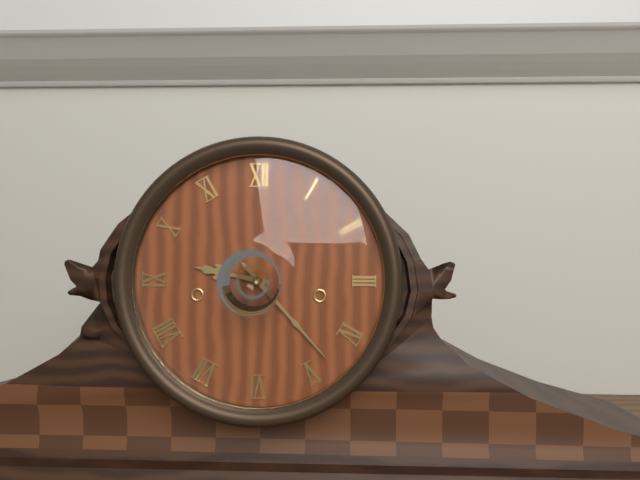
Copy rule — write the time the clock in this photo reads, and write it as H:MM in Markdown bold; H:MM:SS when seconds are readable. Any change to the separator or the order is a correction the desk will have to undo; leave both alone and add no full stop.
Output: **9:23**
